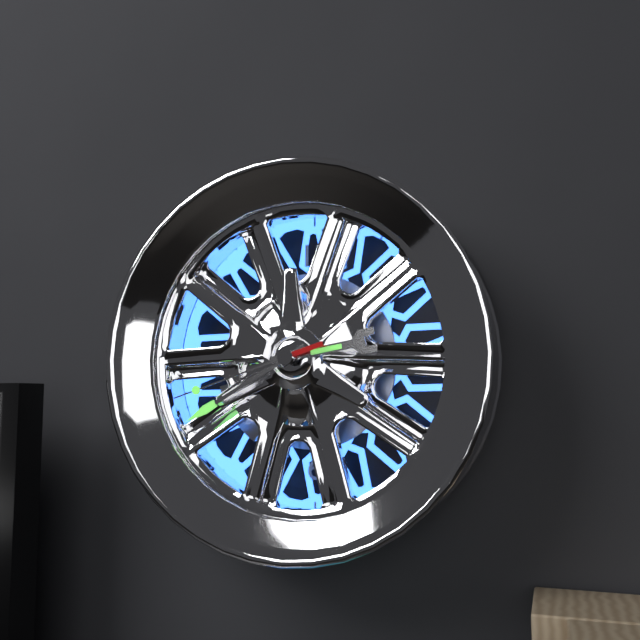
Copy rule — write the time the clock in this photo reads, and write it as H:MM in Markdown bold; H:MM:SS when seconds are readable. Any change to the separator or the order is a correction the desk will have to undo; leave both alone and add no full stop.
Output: **2:40:42**
